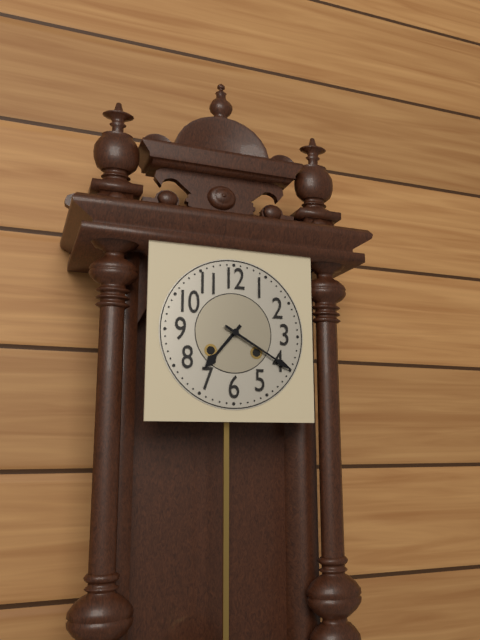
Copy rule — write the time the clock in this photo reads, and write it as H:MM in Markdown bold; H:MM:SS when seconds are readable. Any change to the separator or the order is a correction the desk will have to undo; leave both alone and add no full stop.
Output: **7:20**
